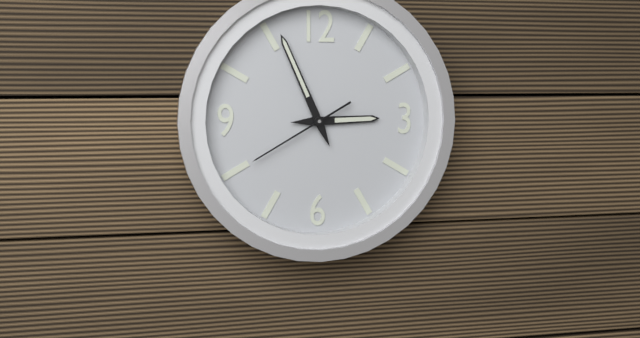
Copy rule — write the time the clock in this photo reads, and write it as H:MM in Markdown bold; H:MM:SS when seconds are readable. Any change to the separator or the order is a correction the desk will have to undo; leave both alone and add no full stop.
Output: **2:56:40**
